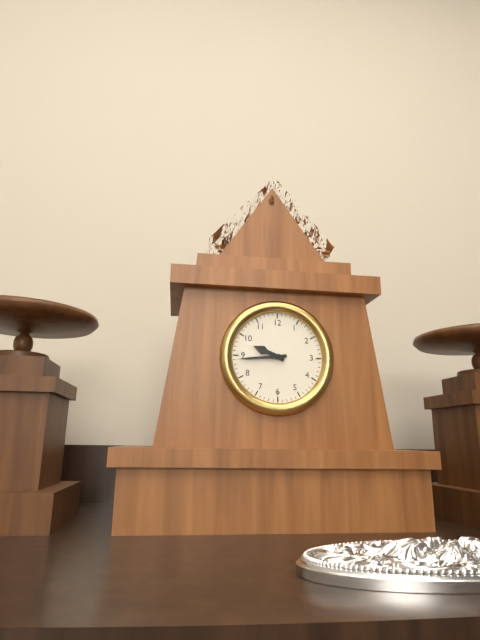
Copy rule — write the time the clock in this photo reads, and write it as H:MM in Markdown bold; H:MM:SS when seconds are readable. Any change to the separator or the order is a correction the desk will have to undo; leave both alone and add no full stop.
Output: **9:44**
